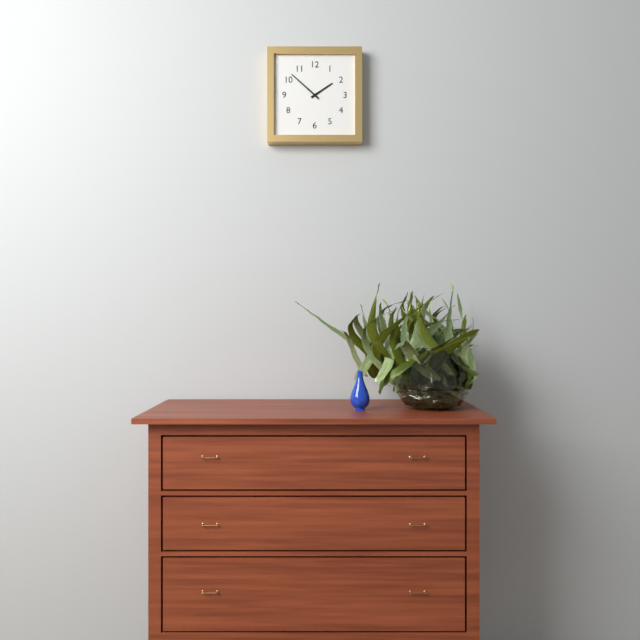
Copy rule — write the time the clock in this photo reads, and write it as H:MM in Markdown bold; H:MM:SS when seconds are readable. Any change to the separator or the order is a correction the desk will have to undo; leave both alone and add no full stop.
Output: **1:52**
